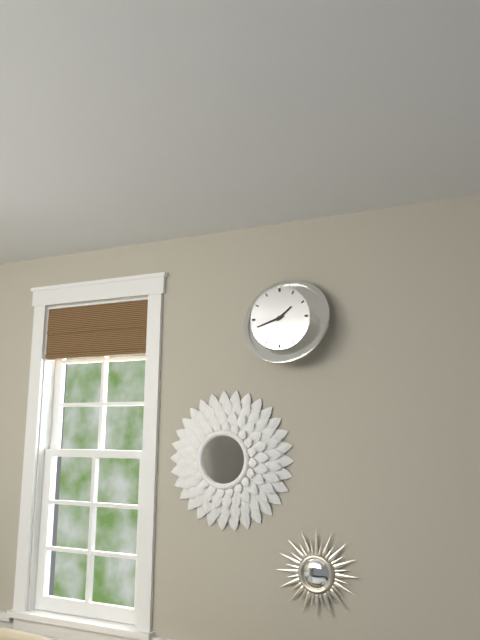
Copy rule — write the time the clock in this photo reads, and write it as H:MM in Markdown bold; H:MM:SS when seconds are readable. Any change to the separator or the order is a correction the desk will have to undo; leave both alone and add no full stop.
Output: **1:42**
